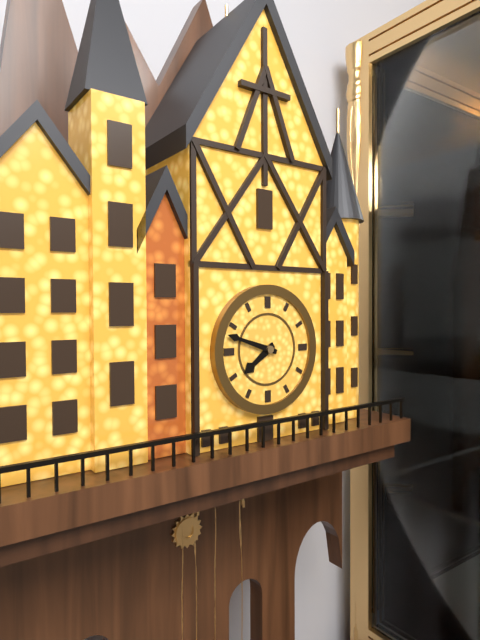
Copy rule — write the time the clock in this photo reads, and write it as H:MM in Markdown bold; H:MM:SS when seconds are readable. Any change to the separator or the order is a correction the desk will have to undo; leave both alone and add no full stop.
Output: **7:48**
